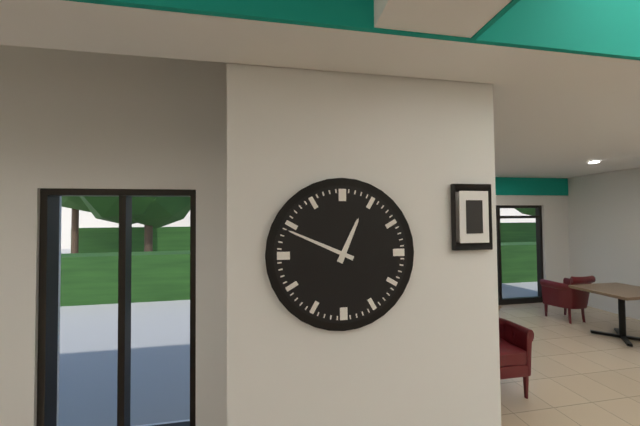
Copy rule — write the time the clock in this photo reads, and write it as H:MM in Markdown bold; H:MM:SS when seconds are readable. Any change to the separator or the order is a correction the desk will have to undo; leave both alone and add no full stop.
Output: **12:49**
